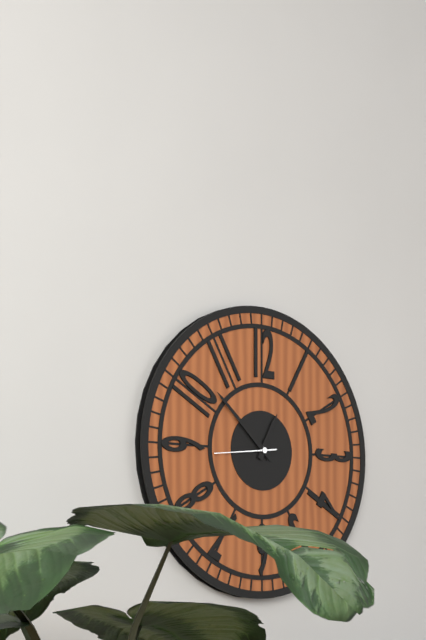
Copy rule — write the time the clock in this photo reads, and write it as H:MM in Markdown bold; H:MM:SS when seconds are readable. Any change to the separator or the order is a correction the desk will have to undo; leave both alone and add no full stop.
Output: **12:52:44**
